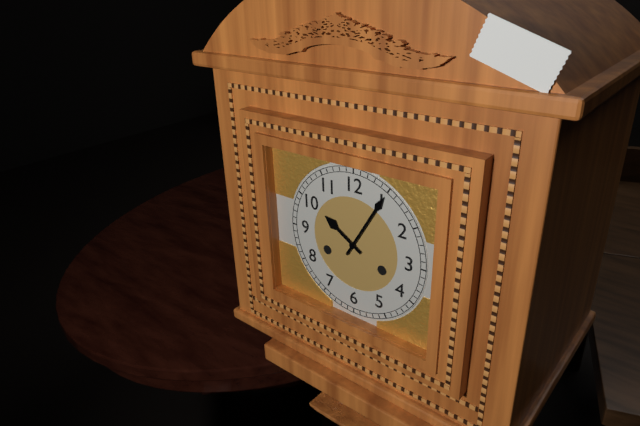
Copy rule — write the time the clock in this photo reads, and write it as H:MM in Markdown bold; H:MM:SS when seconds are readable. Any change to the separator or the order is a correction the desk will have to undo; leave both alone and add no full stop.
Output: **10:05**
